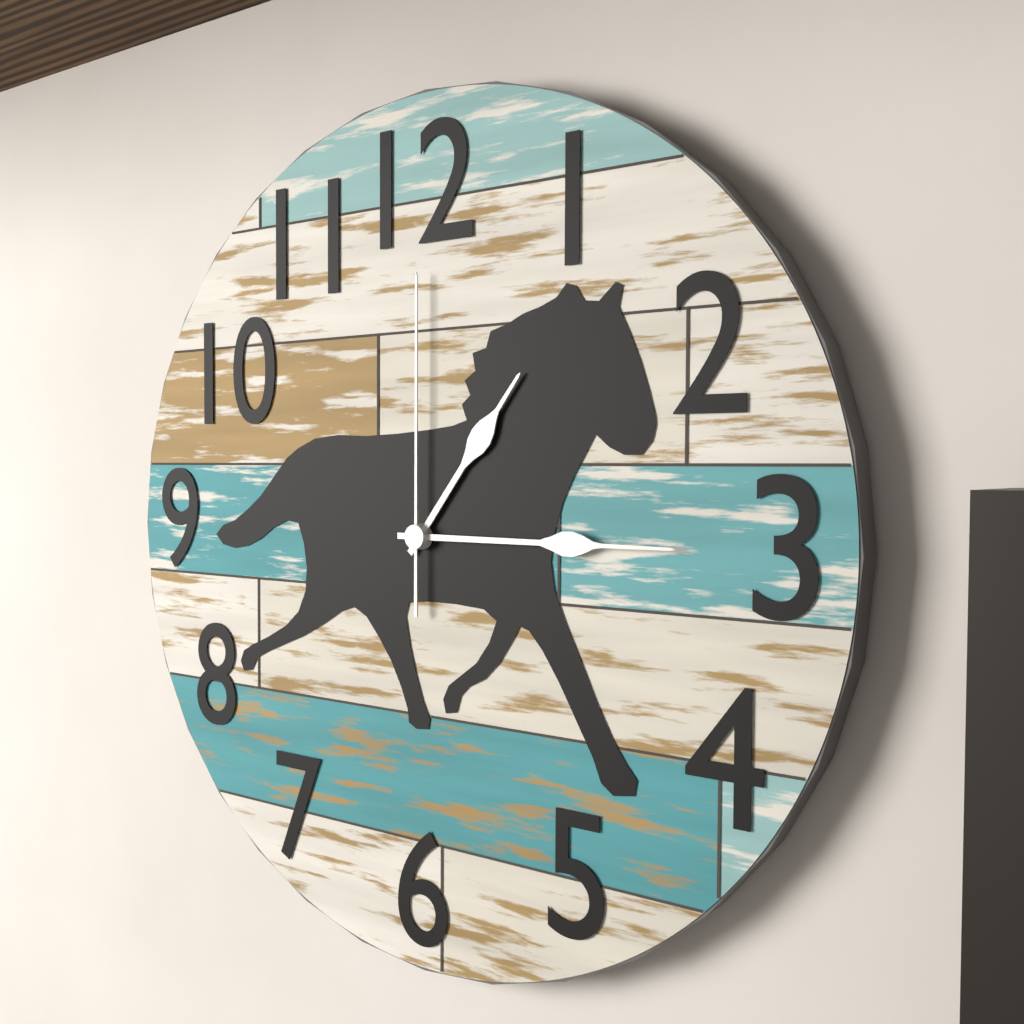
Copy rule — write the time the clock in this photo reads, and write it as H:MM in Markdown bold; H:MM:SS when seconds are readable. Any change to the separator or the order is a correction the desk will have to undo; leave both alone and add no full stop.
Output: **1:15:00**
